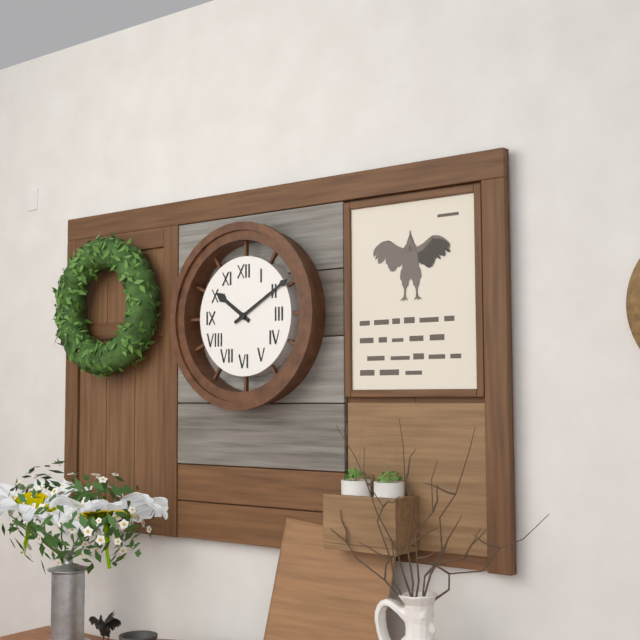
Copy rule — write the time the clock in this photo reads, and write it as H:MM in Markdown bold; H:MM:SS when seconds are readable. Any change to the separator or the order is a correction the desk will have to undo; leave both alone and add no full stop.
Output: **10:10**
